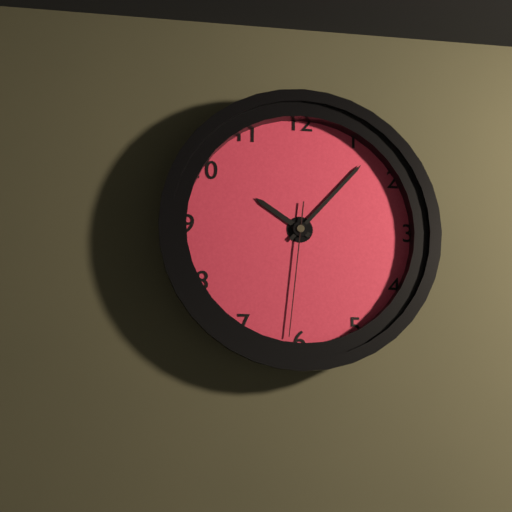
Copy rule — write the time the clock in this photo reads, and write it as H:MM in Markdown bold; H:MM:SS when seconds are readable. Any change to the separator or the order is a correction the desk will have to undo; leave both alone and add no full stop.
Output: **10:07:31**
